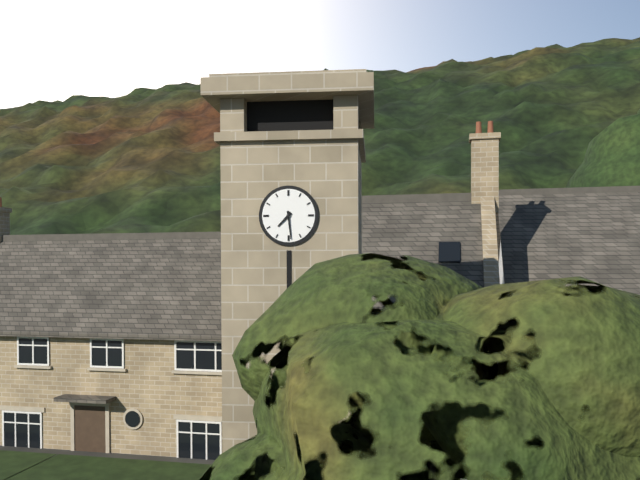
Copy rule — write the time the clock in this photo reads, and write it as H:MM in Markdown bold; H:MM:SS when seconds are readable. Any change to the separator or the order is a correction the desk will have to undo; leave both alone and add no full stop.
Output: **7:29**
